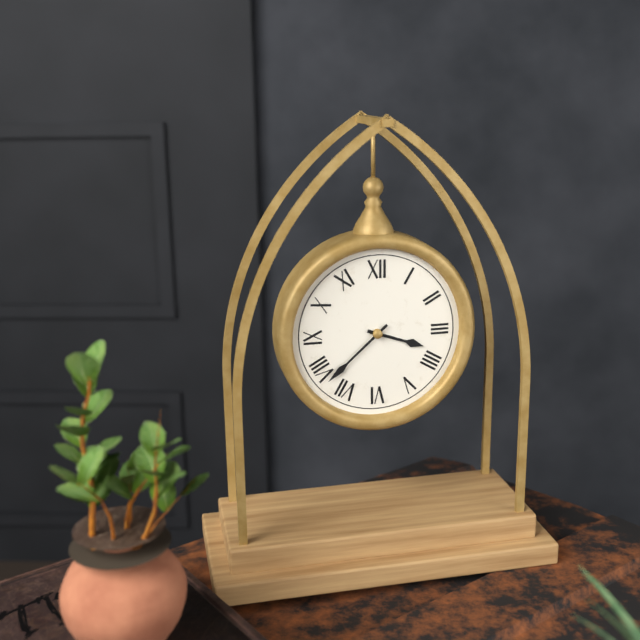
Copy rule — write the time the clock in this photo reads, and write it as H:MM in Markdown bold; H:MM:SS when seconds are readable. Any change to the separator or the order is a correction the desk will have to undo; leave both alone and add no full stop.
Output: **3:38**
